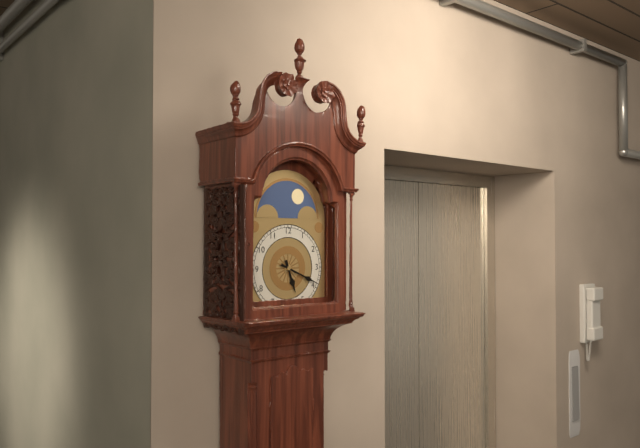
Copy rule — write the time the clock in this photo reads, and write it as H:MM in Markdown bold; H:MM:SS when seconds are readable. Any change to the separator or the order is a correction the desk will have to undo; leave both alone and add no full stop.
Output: **5:19**
